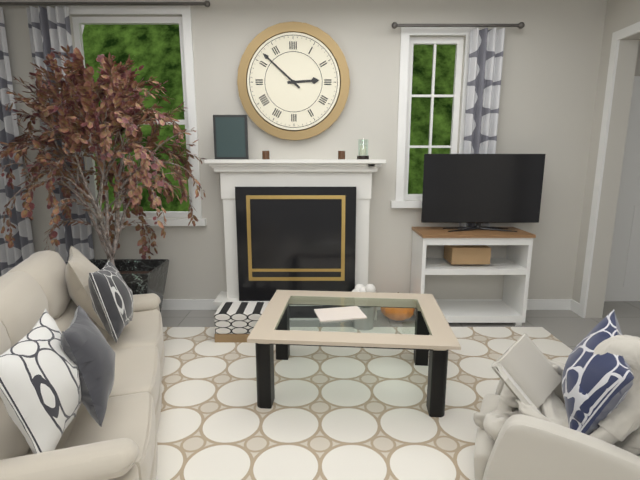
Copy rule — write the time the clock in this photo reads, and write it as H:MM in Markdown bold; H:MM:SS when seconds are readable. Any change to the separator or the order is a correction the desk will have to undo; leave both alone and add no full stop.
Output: **2:52**
